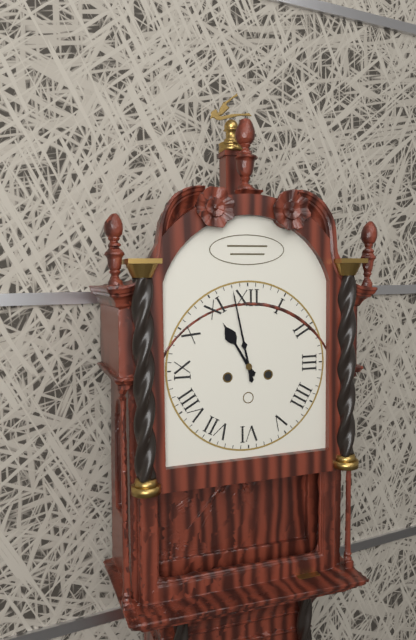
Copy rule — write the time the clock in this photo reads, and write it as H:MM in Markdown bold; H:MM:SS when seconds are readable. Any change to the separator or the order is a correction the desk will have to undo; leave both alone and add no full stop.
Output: **10:58**
